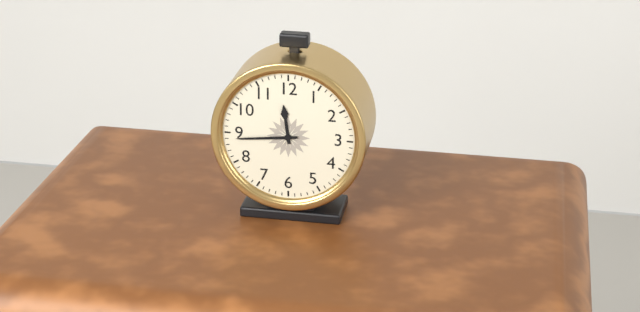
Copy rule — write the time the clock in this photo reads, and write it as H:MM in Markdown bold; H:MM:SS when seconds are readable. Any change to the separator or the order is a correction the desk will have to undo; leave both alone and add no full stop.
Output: **11:44**
